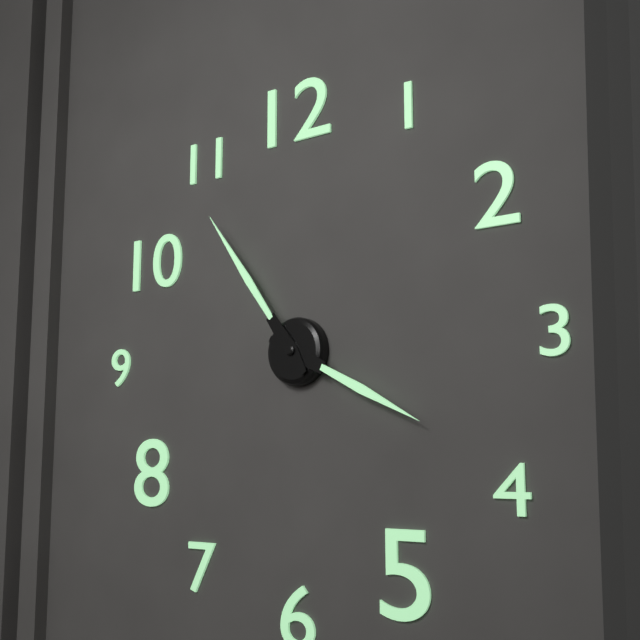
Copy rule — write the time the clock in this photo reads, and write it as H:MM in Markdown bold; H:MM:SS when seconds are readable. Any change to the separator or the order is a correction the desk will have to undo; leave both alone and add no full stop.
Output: **3:54**
